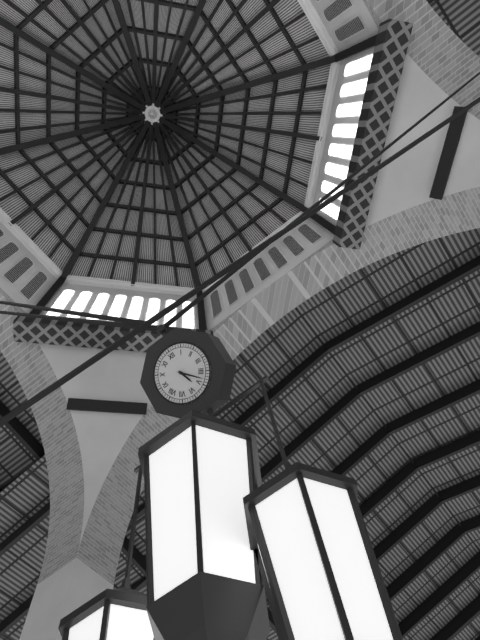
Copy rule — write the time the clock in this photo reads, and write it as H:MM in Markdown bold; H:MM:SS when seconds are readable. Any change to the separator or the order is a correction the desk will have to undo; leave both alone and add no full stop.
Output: **5:23**
